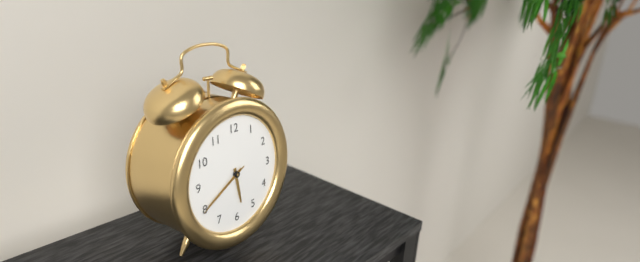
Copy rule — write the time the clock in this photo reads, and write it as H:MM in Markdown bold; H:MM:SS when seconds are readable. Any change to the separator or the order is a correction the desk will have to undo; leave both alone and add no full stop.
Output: **5:40:40**
